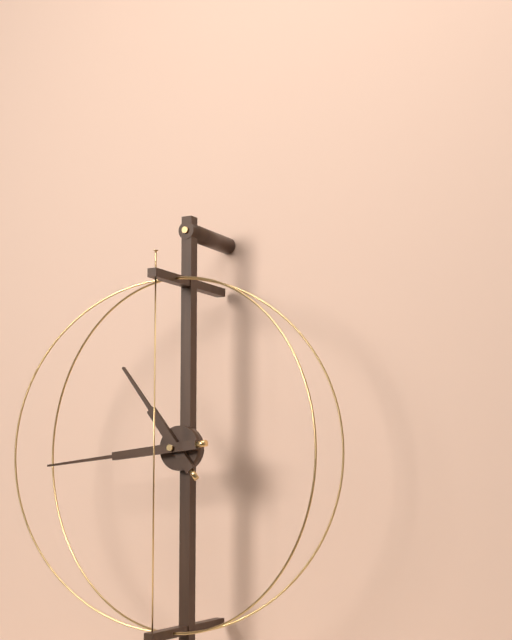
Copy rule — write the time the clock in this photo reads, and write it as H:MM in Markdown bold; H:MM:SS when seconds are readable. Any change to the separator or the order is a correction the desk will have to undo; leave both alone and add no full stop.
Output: **10:44**
